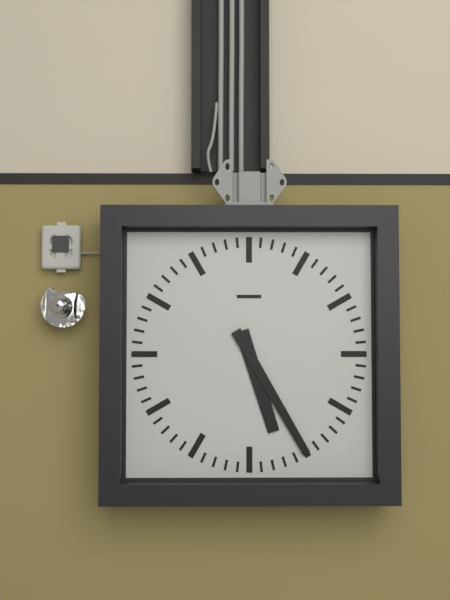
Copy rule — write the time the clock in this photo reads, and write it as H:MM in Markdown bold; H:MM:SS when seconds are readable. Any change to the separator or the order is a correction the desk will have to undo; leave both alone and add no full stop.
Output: **5:25**
